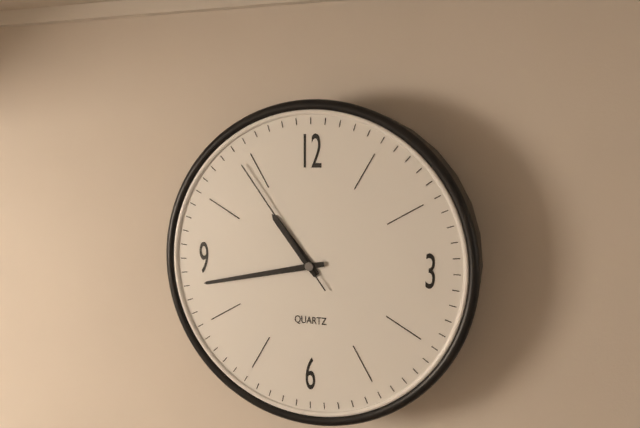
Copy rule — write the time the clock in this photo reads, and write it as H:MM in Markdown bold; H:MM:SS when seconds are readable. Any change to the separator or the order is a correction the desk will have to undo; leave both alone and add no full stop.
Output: **10:43:54**
